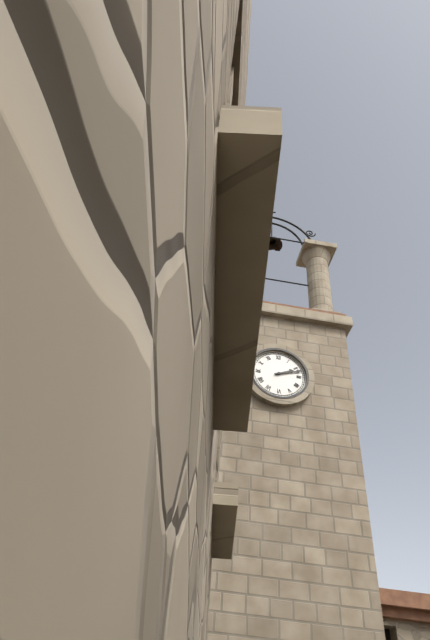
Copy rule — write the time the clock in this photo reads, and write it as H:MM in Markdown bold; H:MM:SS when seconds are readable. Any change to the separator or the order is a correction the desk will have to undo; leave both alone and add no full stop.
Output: **2:12**
